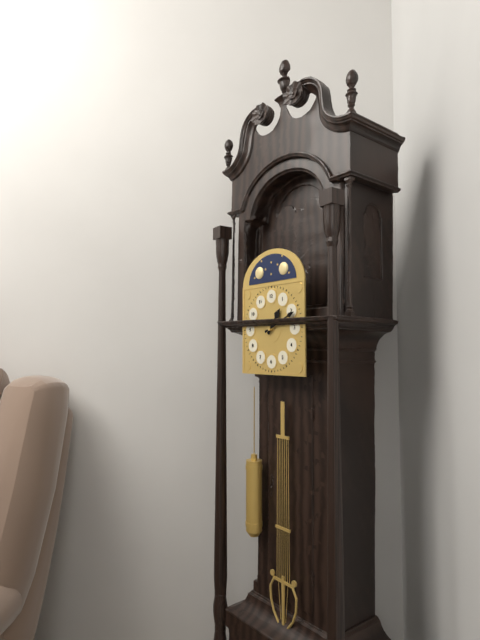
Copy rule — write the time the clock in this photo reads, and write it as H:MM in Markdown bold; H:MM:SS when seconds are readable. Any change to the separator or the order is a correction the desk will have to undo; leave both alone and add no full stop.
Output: **1:11**
